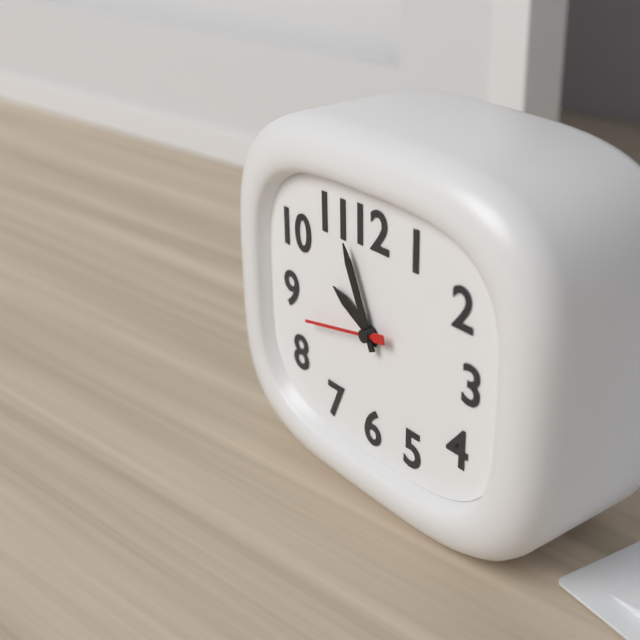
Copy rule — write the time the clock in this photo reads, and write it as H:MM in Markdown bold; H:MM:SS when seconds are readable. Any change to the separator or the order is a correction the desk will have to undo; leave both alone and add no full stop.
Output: **9:56:43**
